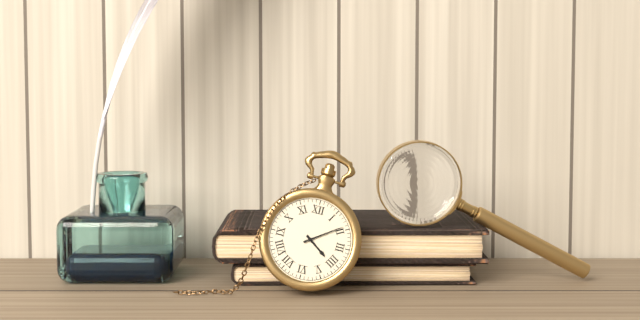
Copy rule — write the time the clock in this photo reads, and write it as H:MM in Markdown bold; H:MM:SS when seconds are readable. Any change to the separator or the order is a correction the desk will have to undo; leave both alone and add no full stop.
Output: **4:09**
